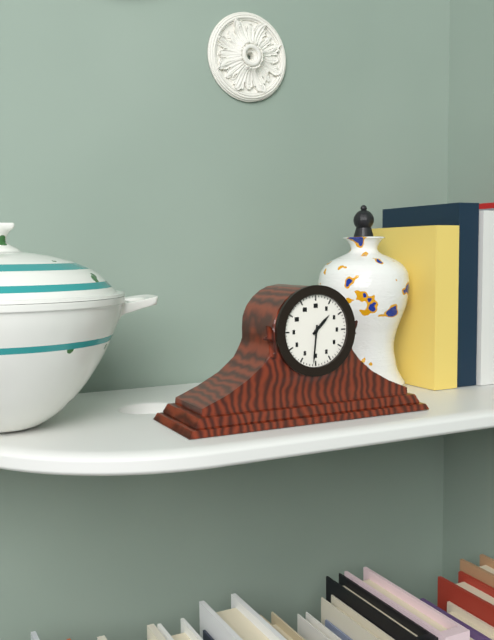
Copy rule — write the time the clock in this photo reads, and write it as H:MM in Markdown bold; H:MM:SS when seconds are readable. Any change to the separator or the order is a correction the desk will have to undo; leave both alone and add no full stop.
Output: **1:31**
